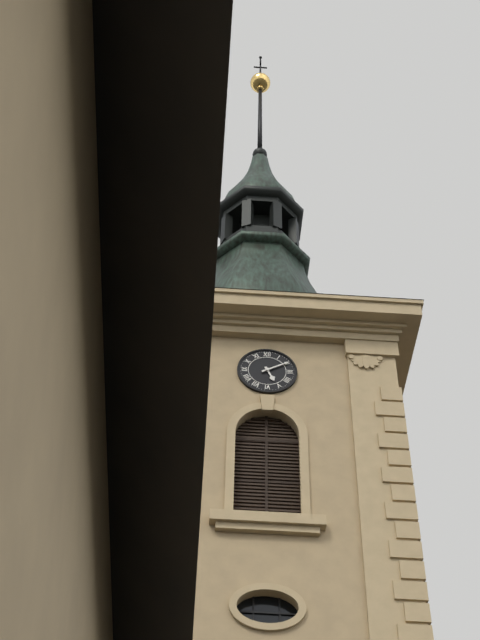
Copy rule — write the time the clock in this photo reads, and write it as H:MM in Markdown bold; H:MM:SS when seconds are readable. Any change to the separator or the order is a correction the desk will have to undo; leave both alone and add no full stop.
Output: **5:10**
